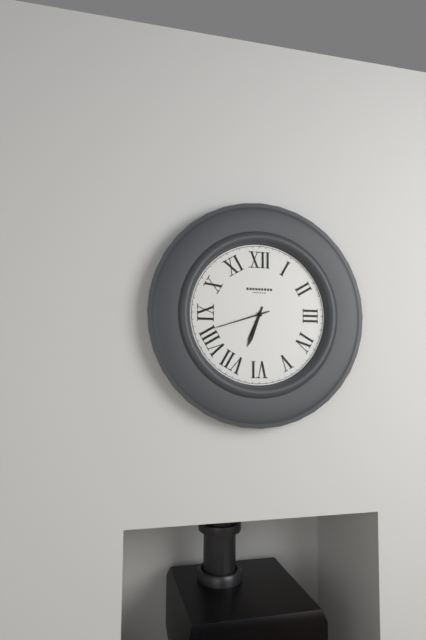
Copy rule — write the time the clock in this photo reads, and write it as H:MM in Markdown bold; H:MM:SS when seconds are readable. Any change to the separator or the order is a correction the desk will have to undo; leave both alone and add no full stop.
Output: **6:42**
